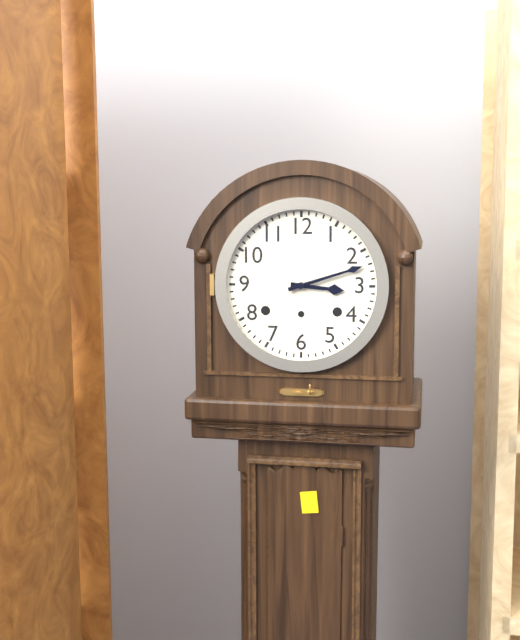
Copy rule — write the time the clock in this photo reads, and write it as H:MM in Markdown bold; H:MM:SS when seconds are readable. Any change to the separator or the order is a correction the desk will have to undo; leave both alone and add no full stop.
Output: **3:12**
